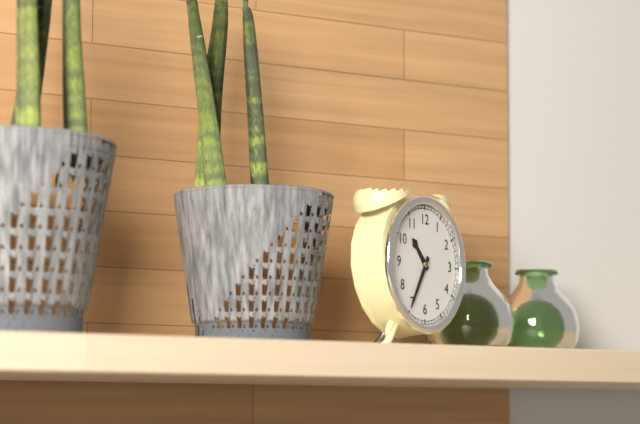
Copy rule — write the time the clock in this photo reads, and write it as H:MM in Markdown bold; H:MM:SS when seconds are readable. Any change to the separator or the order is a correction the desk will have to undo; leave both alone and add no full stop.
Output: **10:35**
